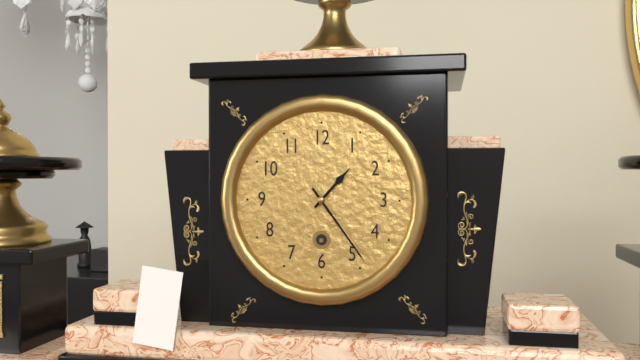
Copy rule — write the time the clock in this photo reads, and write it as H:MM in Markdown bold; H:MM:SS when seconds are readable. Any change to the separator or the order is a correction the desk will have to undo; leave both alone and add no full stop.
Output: **1:24**
